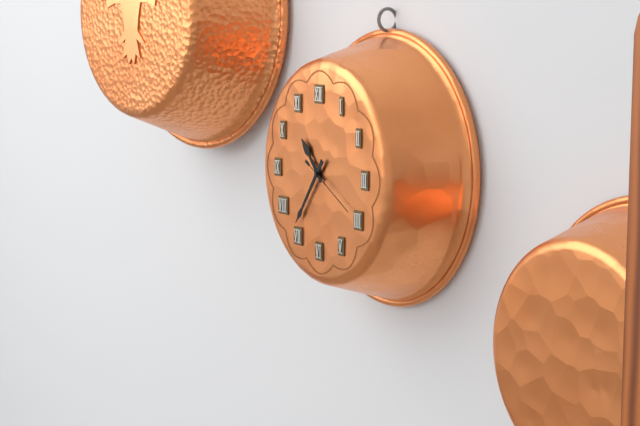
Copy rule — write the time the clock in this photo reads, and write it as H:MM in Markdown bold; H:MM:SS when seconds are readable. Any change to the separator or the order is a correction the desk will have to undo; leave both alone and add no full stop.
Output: **10:36:20**
